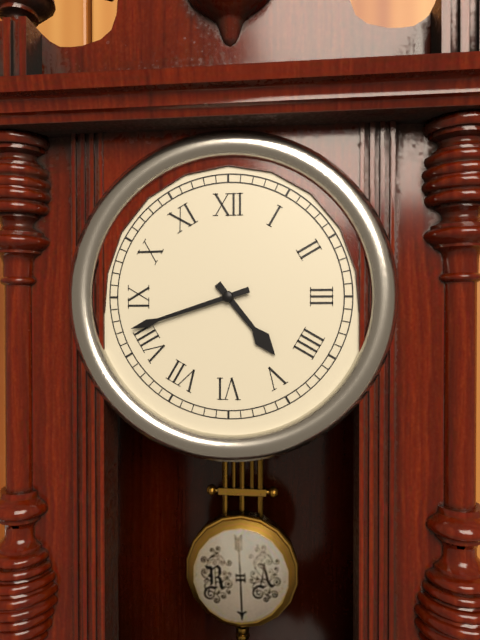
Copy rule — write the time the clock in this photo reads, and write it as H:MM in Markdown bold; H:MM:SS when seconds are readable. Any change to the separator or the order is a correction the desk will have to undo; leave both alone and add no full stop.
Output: **4:42**
